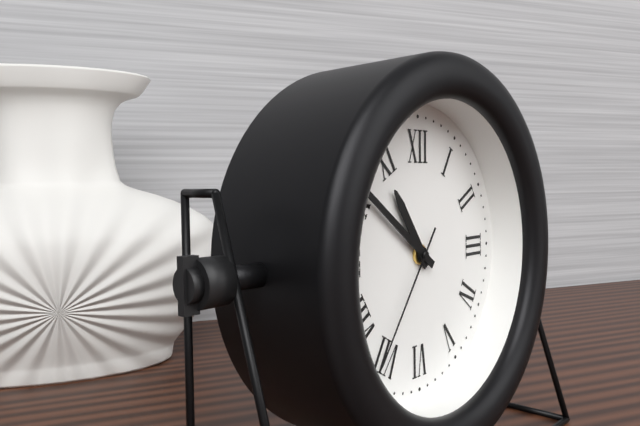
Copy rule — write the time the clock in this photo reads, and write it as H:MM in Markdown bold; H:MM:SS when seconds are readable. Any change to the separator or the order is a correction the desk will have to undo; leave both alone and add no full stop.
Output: **10:51:36**
